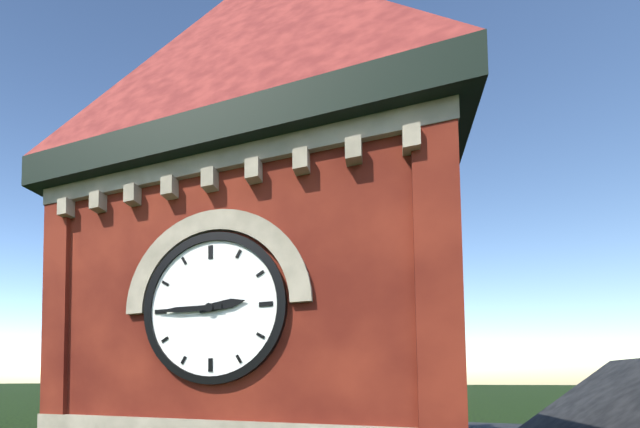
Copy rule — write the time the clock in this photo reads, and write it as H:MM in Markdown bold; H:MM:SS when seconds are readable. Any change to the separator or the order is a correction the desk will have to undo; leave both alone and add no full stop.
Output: **2:45**
